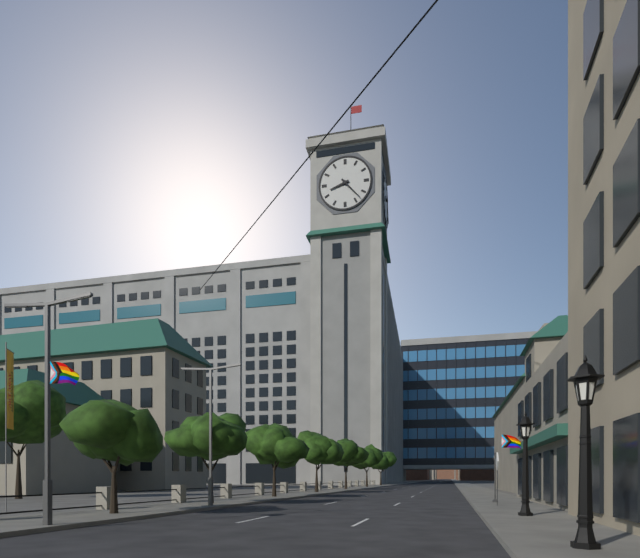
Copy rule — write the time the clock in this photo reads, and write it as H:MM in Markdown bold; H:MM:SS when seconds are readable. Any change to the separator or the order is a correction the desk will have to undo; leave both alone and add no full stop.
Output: **8:23**
